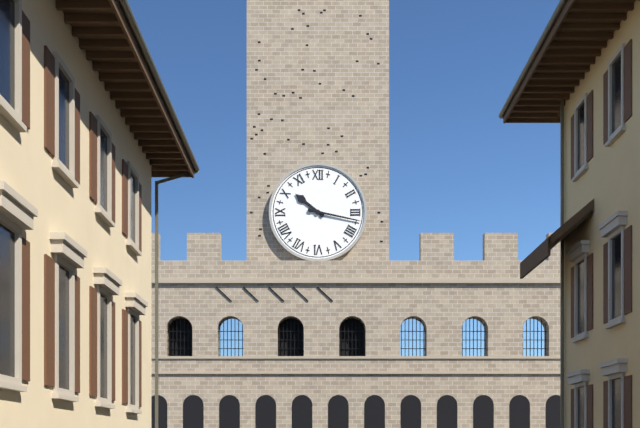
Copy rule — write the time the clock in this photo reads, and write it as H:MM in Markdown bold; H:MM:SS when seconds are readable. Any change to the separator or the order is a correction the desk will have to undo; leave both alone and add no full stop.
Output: **10:17**
